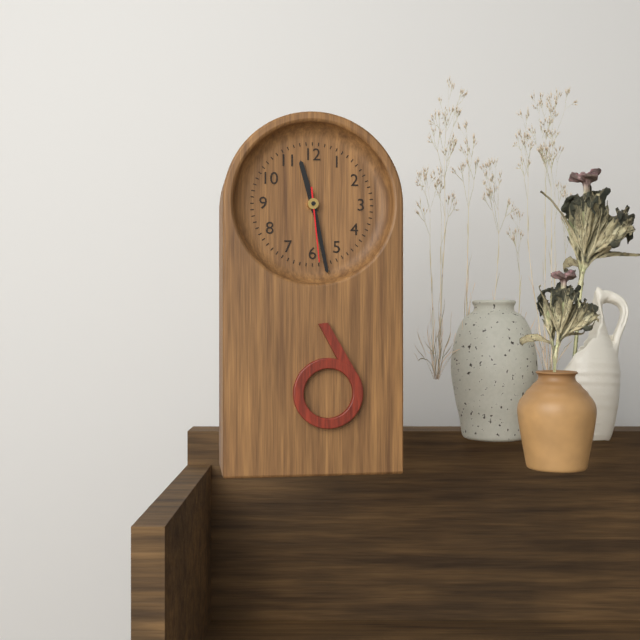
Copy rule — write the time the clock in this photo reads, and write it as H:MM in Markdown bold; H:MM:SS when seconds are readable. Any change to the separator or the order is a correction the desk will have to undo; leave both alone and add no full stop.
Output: **11:28:29**
